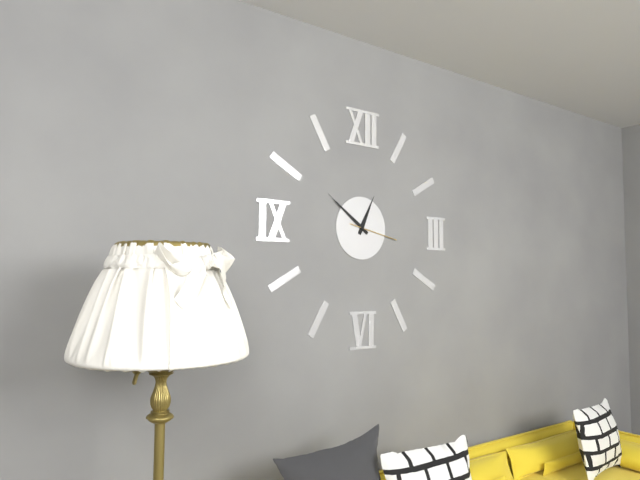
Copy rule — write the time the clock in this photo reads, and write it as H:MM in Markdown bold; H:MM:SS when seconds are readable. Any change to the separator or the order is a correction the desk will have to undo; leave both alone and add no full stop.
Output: **12:51**
